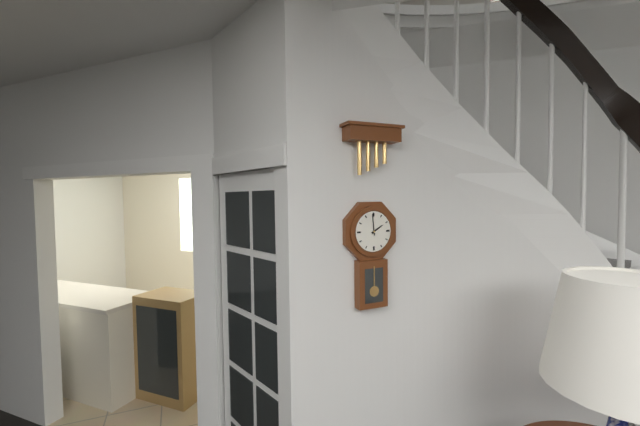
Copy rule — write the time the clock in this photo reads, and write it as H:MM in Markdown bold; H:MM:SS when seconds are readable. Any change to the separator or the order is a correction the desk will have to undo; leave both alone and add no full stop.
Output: **1:59**
